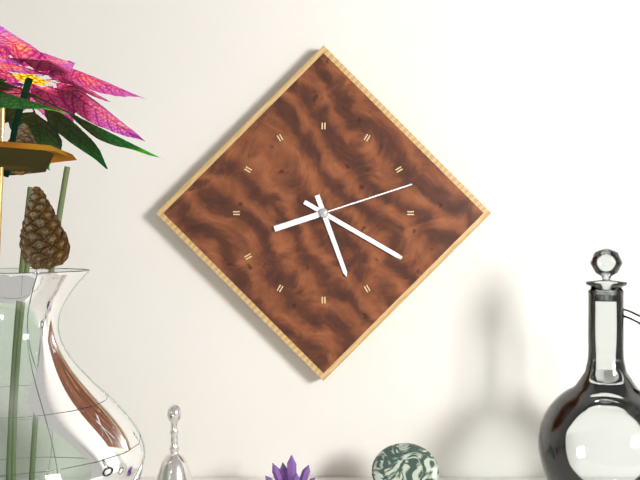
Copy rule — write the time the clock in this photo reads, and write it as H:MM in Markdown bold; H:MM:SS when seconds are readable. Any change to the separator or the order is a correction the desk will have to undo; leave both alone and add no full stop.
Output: **5:20:12**
